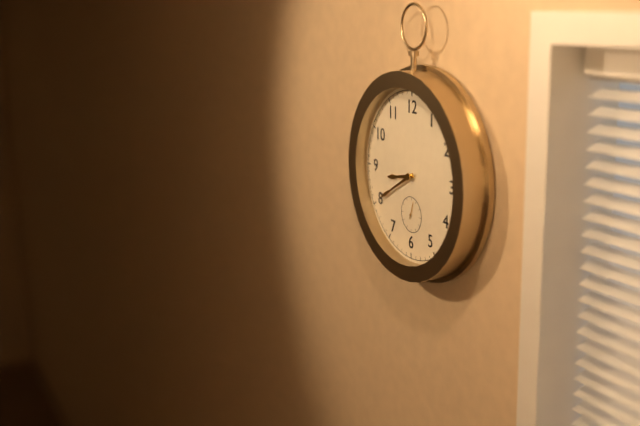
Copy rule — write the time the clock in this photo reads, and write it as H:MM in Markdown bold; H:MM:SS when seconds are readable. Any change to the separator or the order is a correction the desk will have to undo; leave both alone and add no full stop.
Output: **8:40**
